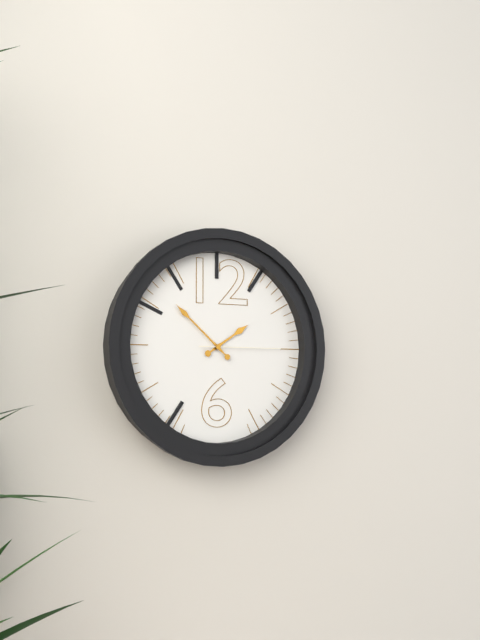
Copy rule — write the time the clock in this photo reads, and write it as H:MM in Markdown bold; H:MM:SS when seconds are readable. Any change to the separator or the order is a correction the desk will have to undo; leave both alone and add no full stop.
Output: **1:52:15**
